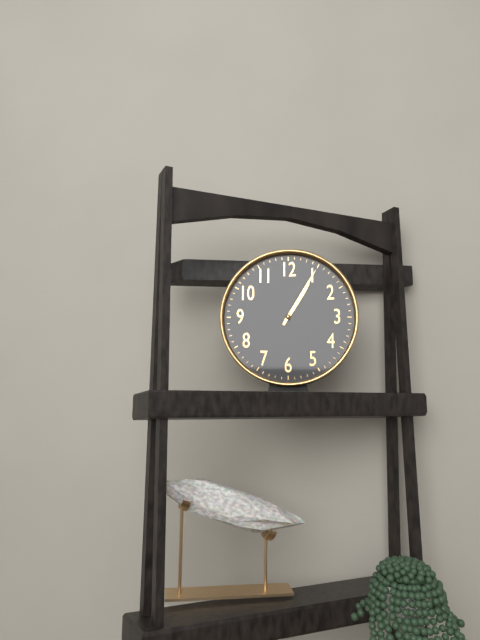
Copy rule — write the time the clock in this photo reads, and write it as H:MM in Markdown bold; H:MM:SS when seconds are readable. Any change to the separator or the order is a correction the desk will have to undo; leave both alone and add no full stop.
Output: **1:05**
